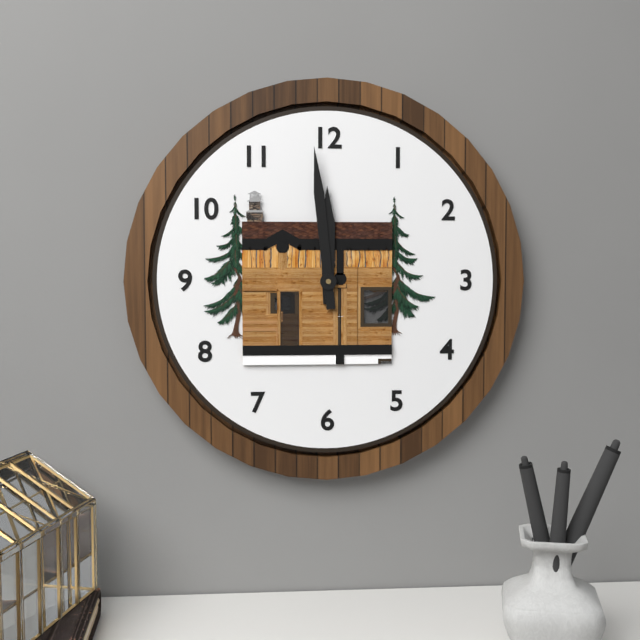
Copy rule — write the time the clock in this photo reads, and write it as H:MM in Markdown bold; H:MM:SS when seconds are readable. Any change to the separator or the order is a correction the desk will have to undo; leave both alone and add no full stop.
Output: **11:59**
